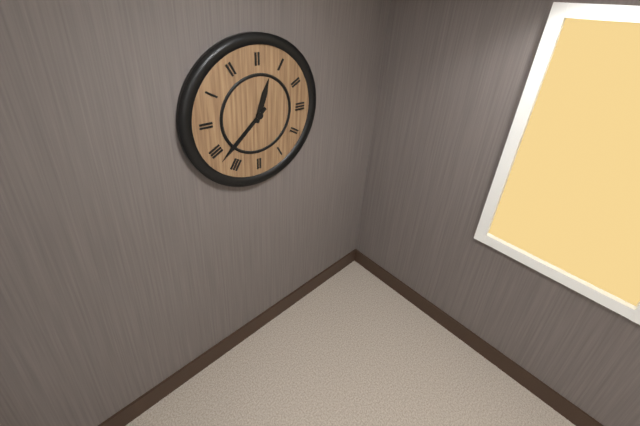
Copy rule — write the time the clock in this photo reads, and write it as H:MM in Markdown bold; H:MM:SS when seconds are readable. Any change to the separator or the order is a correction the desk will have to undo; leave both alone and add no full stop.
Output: **12:38**
